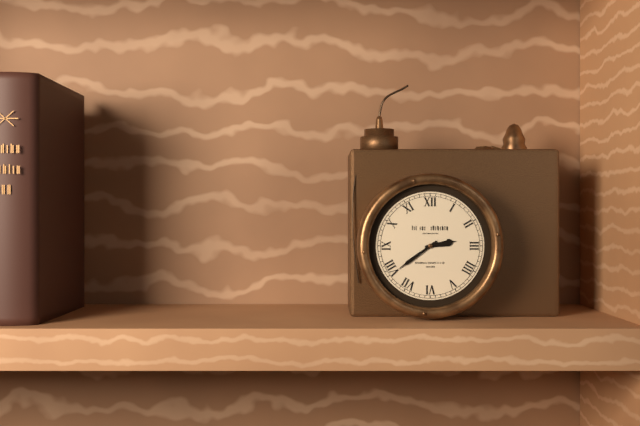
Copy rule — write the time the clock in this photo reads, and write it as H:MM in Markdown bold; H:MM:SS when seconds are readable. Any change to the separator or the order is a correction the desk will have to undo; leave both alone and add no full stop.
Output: **2:39**
